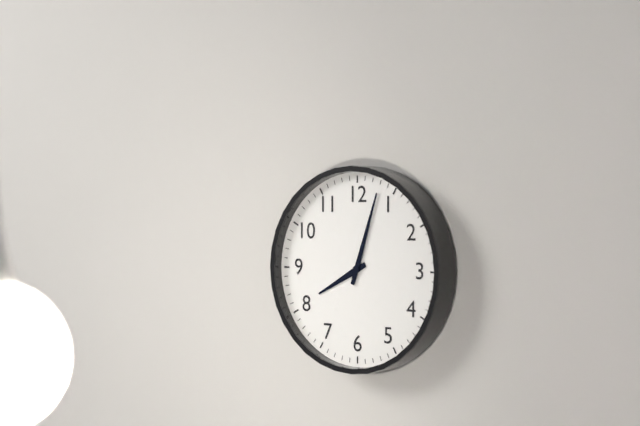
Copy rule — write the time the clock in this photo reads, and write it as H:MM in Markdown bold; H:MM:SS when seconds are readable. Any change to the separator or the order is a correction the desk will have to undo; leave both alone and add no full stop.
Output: **8:03**
